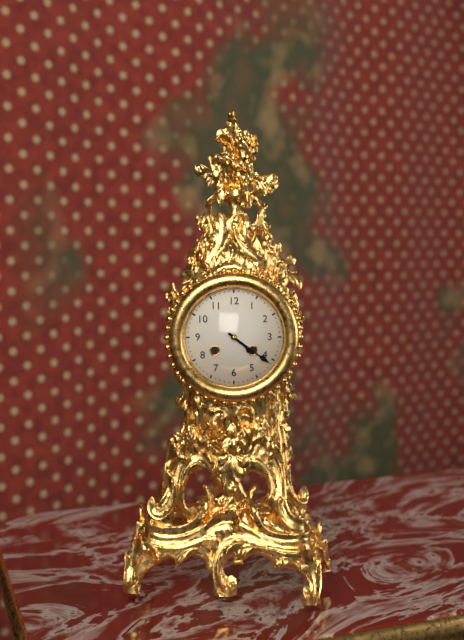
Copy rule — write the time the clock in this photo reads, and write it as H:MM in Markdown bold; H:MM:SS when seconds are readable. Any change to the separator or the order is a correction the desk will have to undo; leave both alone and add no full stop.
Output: **4:21**
